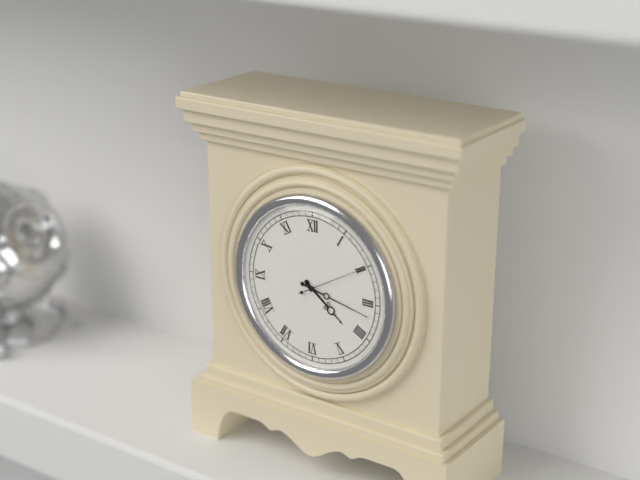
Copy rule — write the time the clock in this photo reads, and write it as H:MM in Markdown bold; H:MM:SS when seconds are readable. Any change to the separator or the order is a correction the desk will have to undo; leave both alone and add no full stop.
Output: **4:17:10**
